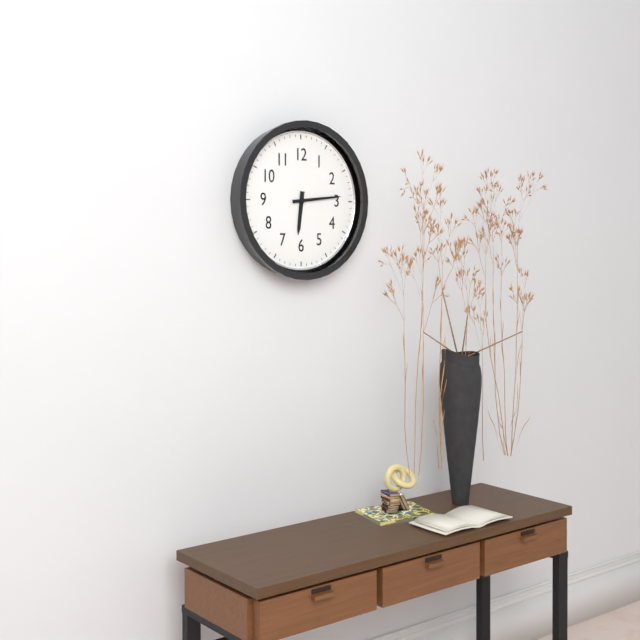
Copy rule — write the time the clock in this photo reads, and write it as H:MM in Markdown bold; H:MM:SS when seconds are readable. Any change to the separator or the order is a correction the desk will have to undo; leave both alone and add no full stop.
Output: **6:14**
